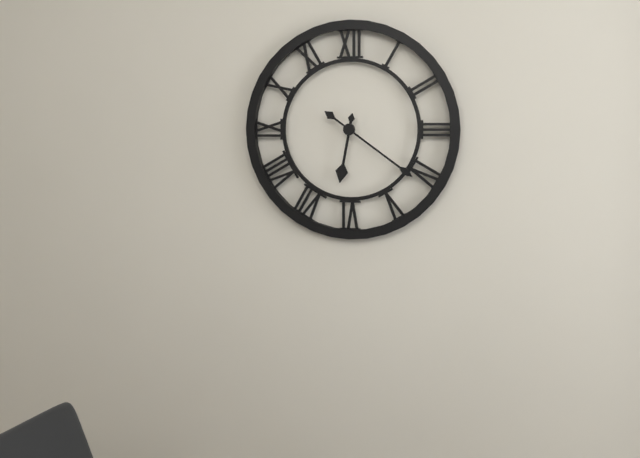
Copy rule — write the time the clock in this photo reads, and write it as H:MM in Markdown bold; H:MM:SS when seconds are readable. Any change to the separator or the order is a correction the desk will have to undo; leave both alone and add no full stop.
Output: **6:21**
